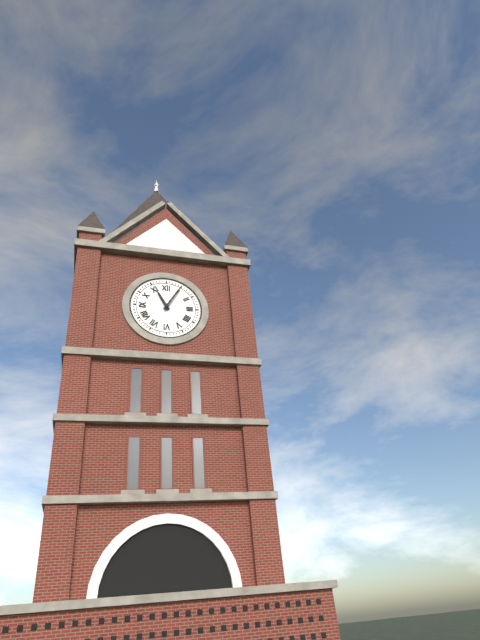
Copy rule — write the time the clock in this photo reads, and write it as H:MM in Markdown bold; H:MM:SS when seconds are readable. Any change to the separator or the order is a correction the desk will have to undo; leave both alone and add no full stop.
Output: **11:05**
